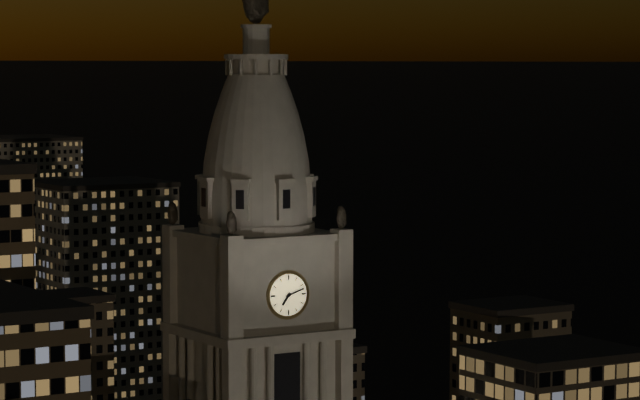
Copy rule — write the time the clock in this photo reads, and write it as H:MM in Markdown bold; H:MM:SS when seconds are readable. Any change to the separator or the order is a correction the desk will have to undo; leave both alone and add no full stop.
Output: **7:12**
